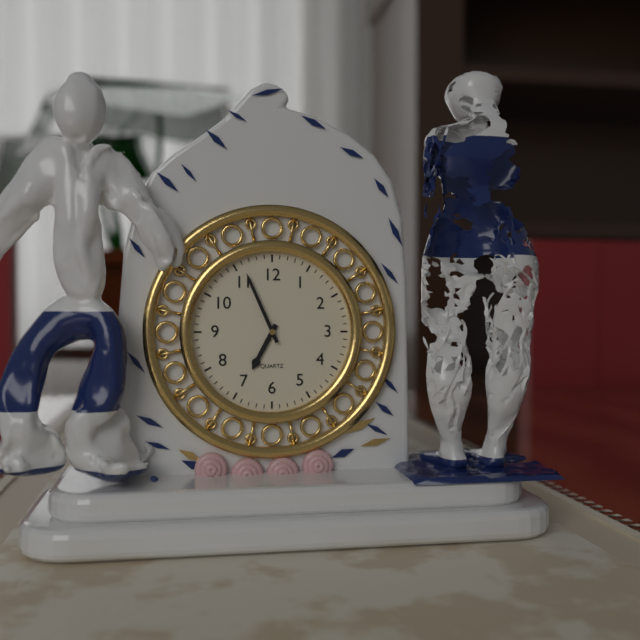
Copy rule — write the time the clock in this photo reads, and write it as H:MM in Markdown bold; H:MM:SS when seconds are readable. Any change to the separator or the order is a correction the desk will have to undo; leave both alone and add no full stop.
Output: **6:56**
